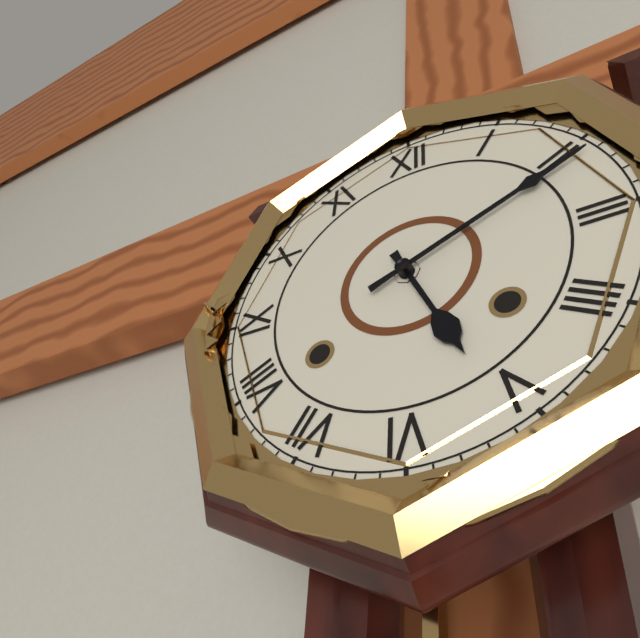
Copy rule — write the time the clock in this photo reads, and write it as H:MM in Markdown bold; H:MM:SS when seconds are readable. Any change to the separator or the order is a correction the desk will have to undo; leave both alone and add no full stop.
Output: **5:11**
